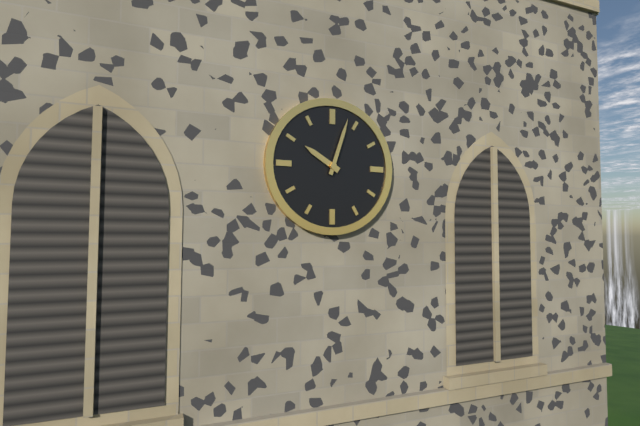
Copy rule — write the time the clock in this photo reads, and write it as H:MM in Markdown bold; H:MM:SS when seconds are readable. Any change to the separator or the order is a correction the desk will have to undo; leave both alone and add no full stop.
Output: **10:03**
